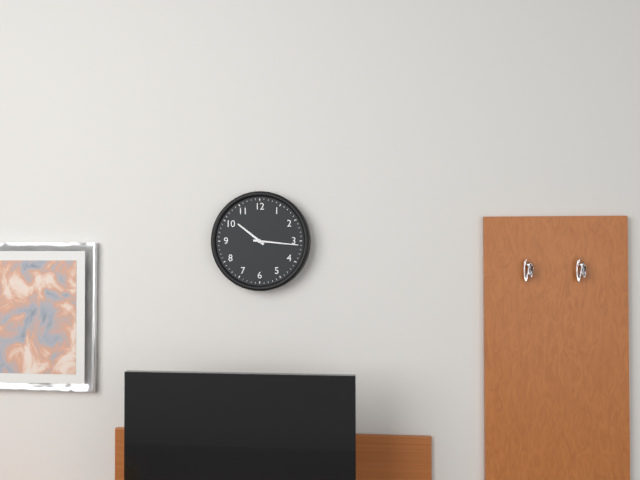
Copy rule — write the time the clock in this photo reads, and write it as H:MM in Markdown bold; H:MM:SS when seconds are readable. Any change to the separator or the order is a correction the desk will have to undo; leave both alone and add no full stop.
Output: **10:16**
